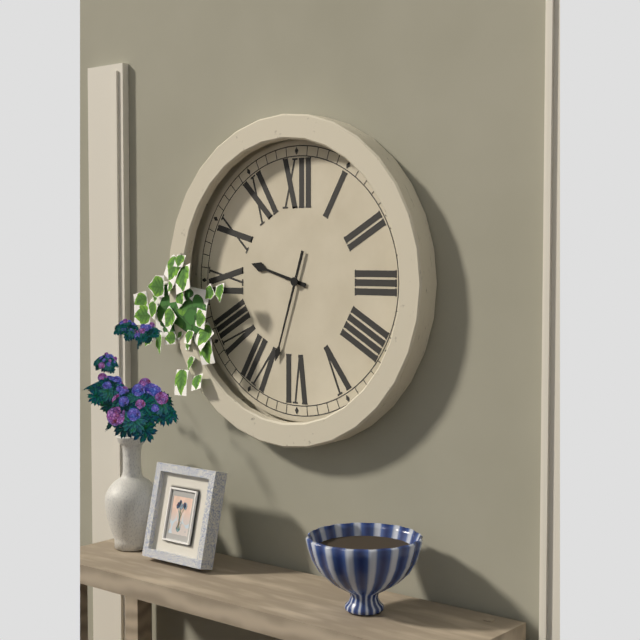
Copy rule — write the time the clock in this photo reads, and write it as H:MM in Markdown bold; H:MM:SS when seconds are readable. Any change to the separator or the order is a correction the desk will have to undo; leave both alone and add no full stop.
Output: **9:33**
